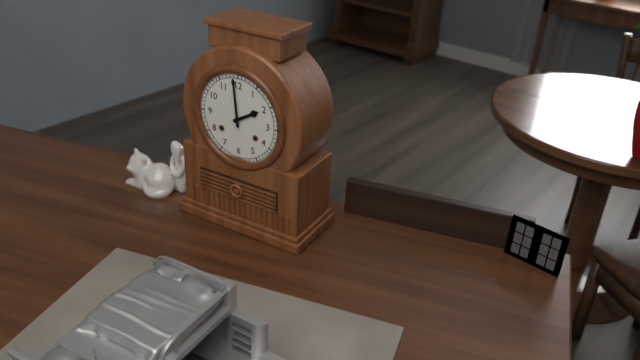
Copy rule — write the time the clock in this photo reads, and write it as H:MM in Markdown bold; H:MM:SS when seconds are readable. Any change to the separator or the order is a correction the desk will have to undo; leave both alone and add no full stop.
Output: **1:59**
